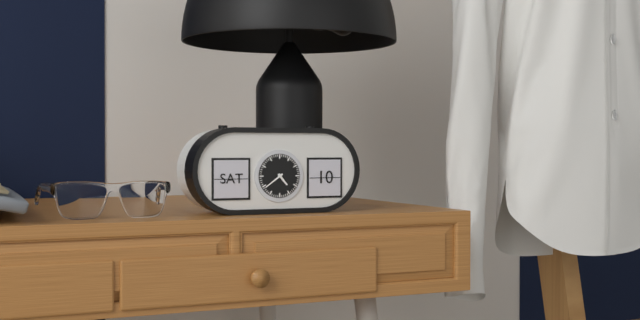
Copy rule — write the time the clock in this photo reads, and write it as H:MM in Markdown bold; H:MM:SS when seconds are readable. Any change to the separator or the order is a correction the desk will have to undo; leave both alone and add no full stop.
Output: **4:39**
